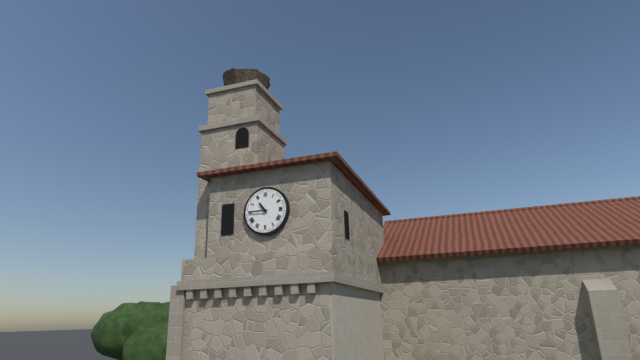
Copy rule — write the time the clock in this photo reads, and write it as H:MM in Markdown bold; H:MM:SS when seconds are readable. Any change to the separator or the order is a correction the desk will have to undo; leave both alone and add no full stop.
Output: **10:45**
